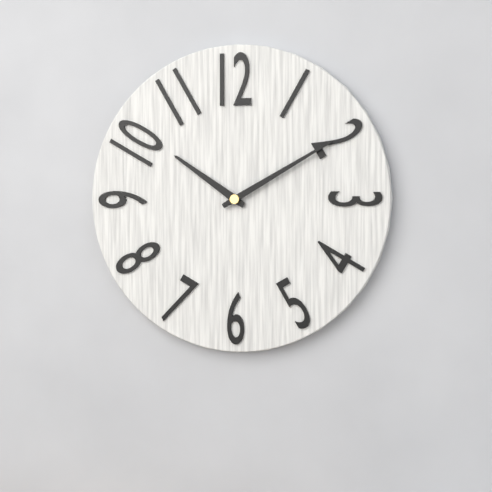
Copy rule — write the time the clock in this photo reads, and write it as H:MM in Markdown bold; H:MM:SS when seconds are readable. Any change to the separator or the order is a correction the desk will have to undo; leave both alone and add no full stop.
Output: **10:10**
